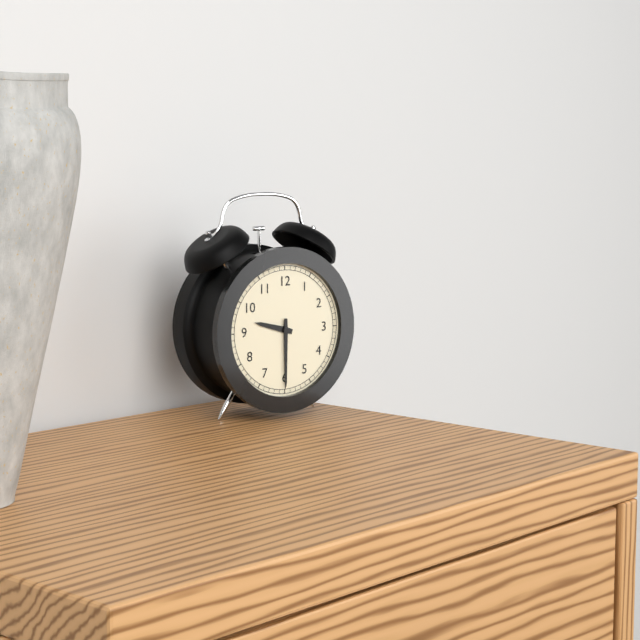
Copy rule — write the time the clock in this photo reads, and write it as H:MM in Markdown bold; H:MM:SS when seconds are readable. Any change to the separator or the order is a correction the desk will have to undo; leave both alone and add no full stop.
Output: **9:30**
